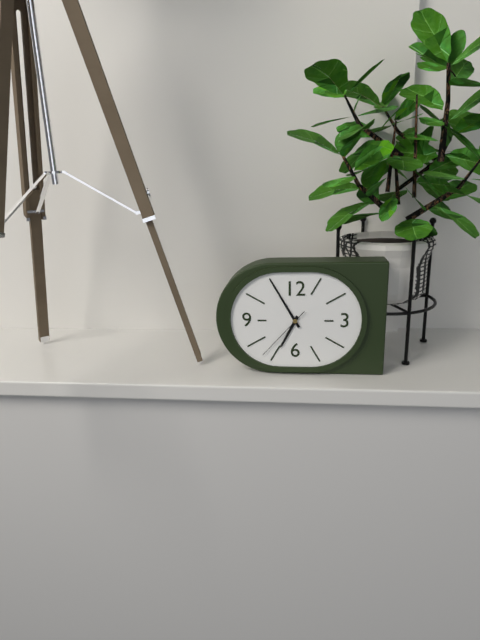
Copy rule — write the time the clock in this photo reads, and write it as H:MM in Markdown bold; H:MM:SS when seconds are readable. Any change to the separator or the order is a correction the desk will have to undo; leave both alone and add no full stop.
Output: **6:55:37**
